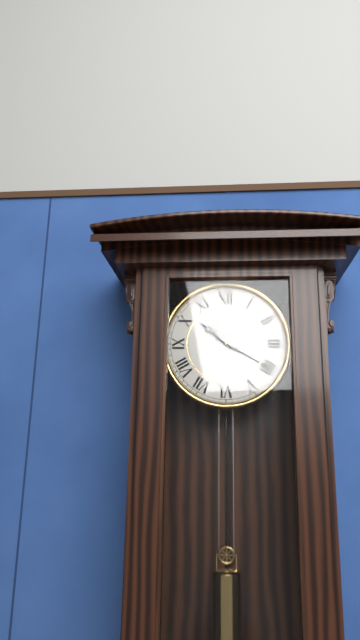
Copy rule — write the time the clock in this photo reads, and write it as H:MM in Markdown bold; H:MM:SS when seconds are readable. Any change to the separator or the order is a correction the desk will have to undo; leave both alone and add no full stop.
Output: **10:20**
